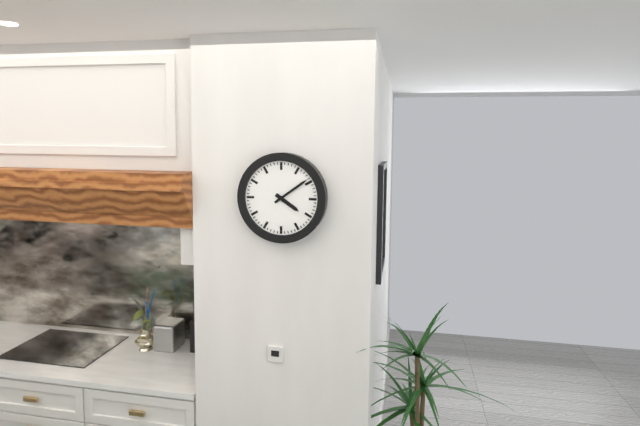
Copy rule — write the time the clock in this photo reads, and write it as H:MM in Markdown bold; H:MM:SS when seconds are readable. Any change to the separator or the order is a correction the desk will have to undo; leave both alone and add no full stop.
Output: **4:09**
